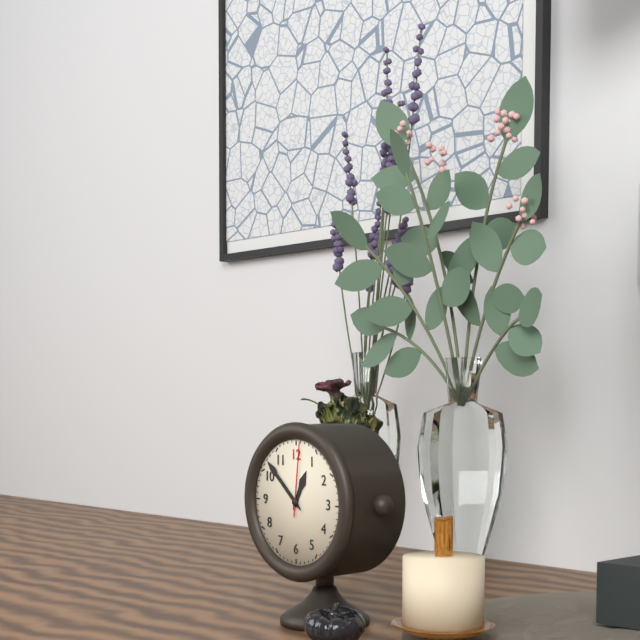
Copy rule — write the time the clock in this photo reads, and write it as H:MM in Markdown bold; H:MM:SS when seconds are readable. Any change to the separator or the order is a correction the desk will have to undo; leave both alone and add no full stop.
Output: **12:52:01**
